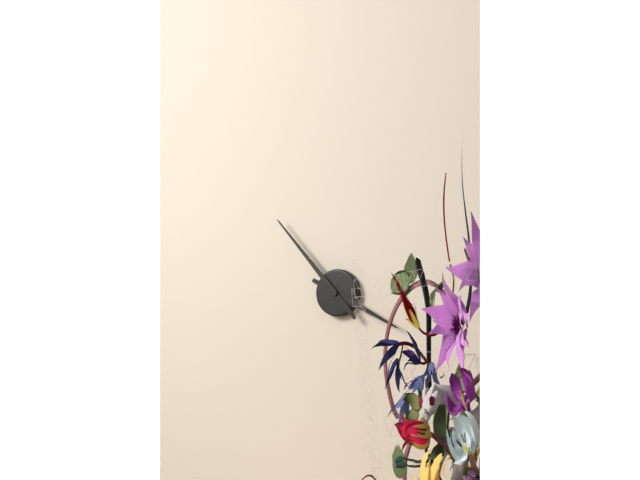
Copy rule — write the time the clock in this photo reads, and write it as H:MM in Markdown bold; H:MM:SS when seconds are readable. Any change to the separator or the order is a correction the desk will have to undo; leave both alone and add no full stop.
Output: **3:53**
